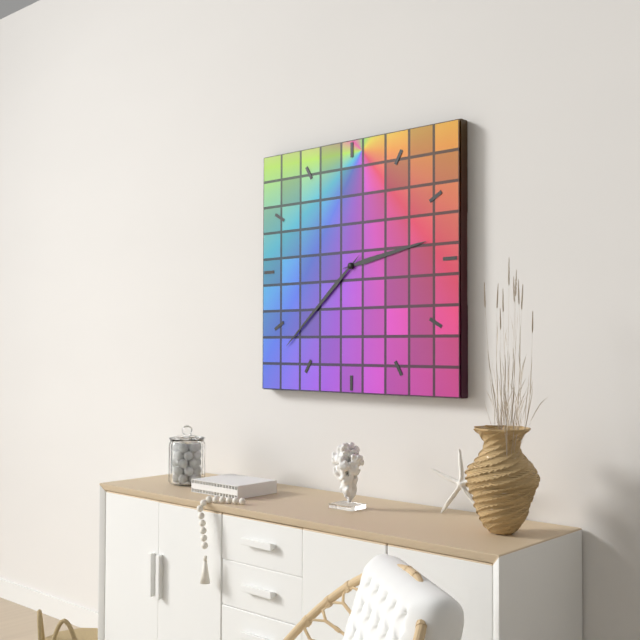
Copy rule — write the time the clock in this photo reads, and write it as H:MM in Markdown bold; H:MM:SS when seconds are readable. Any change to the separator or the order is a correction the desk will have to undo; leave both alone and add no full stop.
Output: **2:38**
